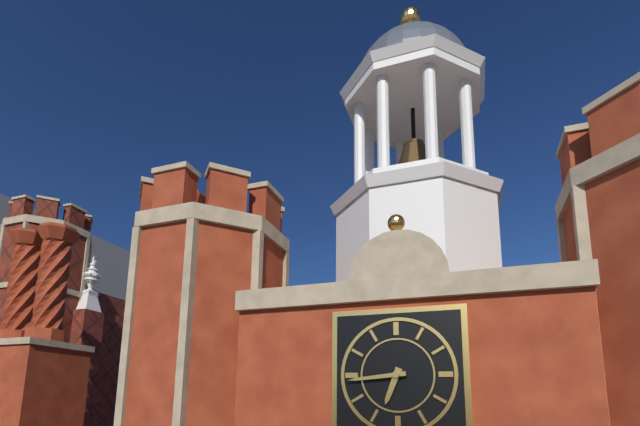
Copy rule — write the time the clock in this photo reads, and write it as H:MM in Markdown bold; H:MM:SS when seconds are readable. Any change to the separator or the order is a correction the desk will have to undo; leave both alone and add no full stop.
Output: **6:44**
